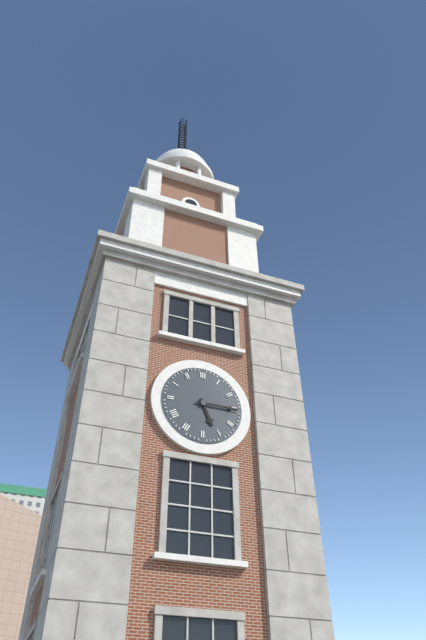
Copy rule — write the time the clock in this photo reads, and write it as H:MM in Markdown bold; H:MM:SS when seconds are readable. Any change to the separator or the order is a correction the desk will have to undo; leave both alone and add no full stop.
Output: **5:15**
